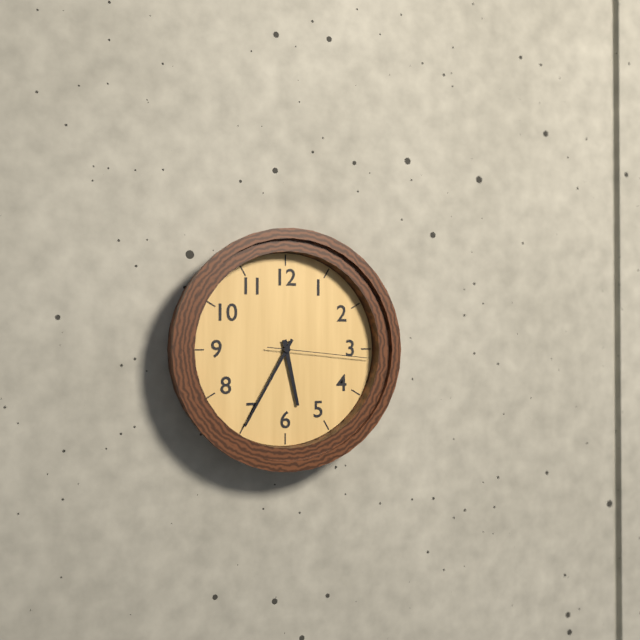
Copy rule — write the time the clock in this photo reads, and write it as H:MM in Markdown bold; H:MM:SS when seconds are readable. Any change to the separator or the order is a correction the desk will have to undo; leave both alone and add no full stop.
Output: **5:35:16**
